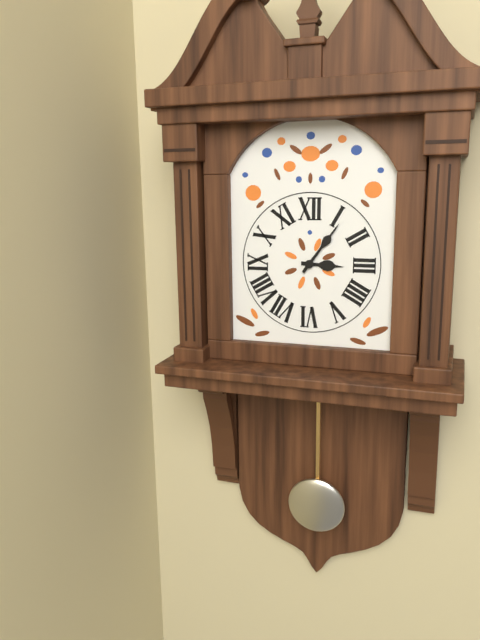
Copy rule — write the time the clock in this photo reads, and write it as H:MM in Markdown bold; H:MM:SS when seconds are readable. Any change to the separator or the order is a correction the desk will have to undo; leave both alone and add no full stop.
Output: **3:06**
